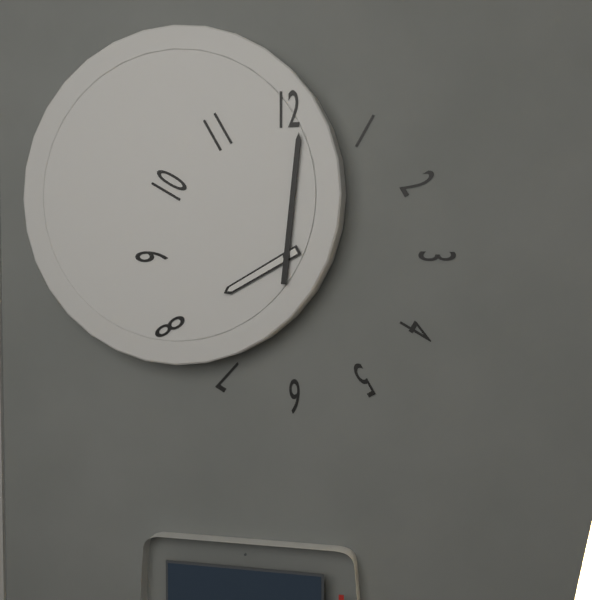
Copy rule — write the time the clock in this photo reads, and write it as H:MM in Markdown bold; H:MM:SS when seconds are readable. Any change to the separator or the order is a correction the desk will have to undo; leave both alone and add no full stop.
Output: **8:01**
